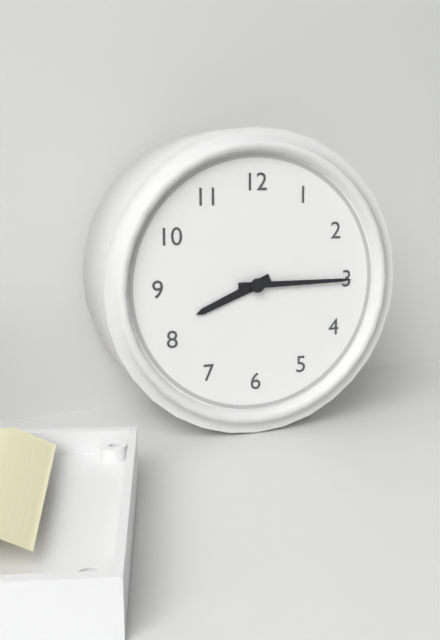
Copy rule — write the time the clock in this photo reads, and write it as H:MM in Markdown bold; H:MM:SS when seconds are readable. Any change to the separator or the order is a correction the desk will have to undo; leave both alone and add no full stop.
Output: **8:15**
